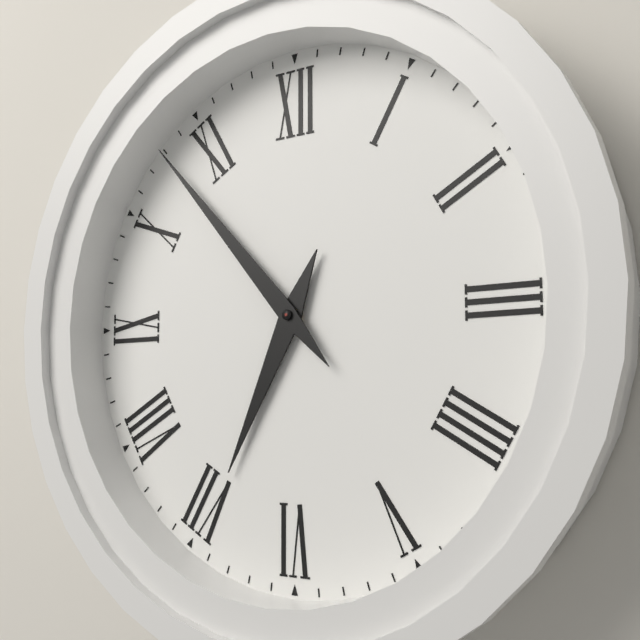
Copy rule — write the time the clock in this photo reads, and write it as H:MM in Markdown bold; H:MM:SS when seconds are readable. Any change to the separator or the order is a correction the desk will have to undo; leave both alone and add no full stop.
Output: **6:53**
